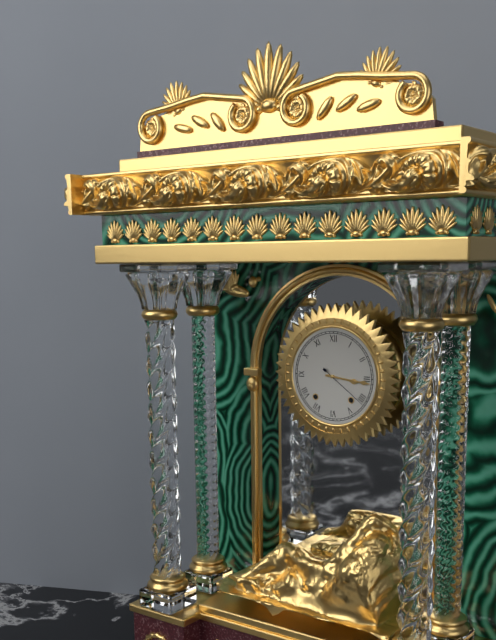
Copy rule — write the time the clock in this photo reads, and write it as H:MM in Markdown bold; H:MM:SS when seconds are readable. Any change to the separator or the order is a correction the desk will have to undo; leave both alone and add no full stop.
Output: **3:16:21**
